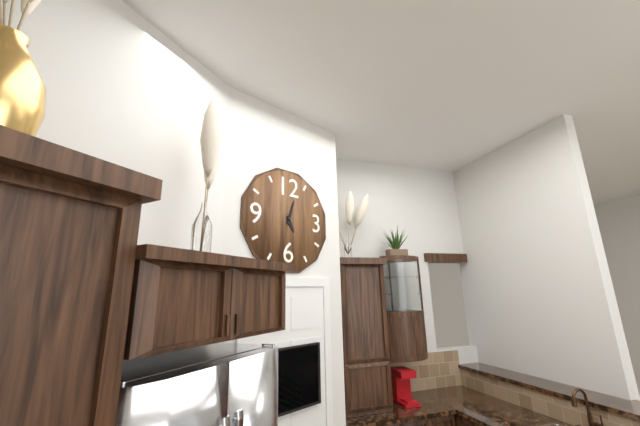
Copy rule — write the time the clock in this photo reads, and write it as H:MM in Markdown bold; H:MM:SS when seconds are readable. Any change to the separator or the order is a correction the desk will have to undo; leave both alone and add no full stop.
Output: **5:03**
